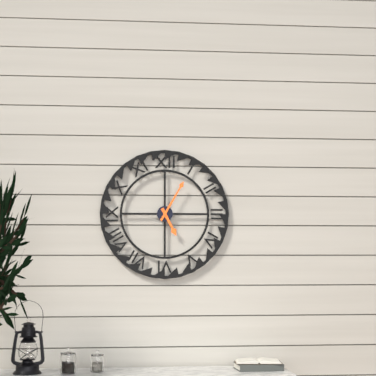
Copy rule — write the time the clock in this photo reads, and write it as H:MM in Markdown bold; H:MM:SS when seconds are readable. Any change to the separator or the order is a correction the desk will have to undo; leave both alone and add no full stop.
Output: **5:05**
